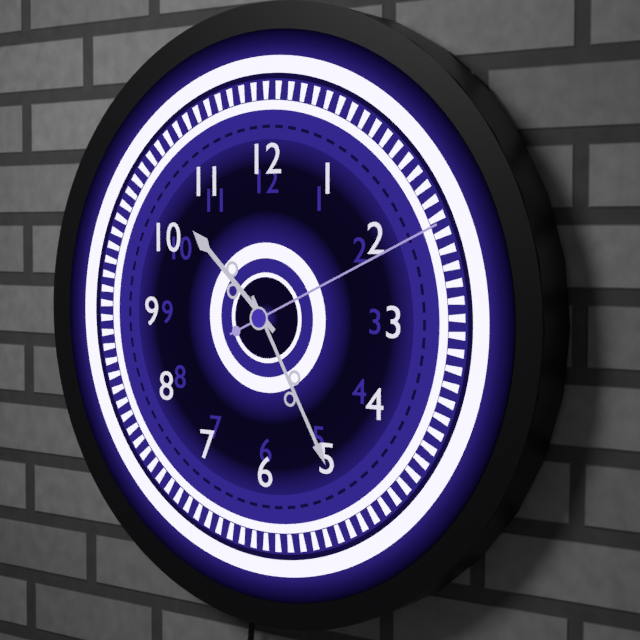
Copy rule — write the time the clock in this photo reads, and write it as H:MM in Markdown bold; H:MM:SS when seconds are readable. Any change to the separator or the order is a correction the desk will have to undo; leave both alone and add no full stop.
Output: **10:25:11**
